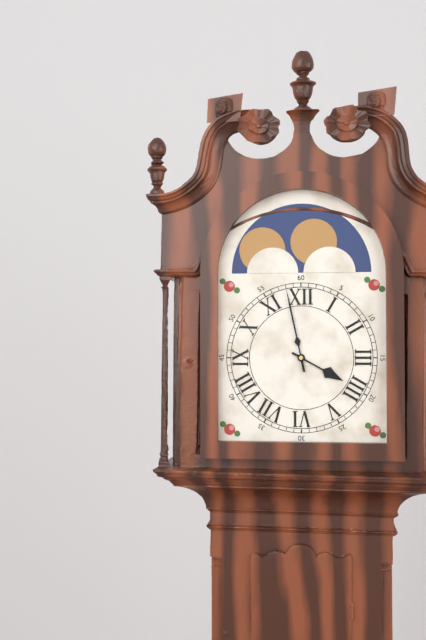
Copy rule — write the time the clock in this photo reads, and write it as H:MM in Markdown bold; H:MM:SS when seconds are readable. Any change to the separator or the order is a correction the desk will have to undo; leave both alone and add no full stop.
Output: **3:58**
